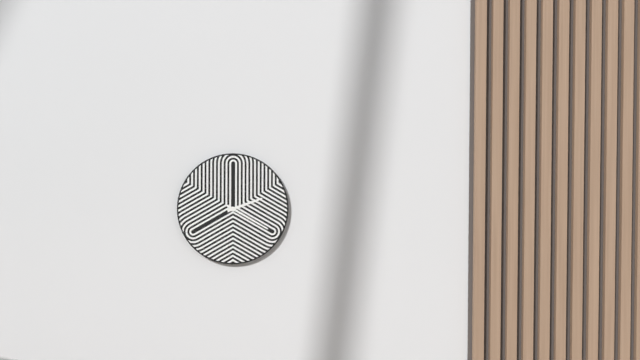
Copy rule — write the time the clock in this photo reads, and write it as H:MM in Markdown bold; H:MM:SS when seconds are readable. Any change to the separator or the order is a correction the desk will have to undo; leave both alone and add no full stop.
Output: **2:20**
